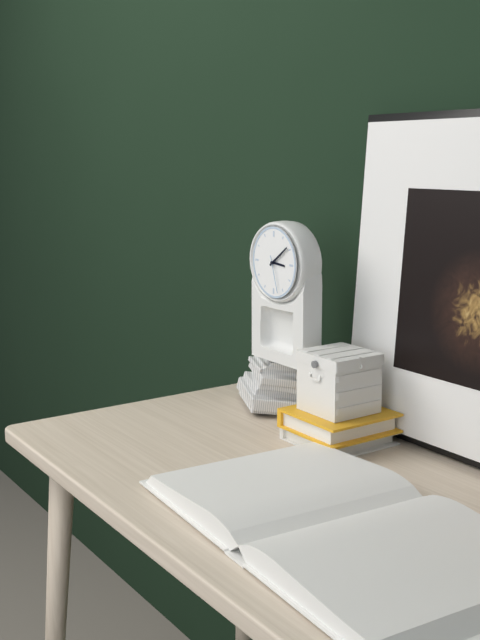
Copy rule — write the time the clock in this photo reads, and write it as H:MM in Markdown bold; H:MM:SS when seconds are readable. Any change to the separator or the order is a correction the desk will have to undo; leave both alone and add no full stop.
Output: **3:09**
